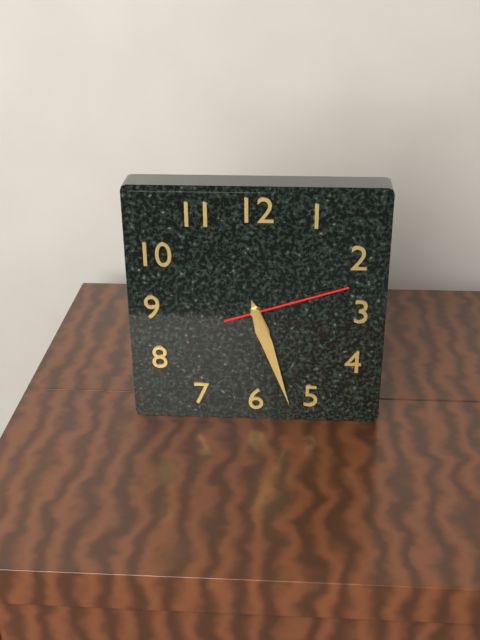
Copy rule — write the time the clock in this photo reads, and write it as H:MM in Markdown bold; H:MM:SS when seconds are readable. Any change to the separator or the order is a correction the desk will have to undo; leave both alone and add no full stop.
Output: **5:27:12**
